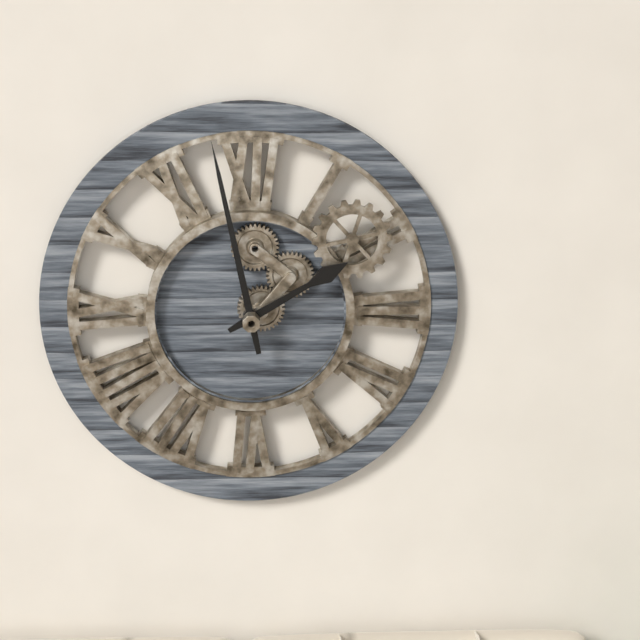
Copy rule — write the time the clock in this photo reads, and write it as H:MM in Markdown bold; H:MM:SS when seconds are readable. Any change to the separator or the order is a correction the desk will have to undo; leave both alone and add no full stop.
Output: **1:58**
